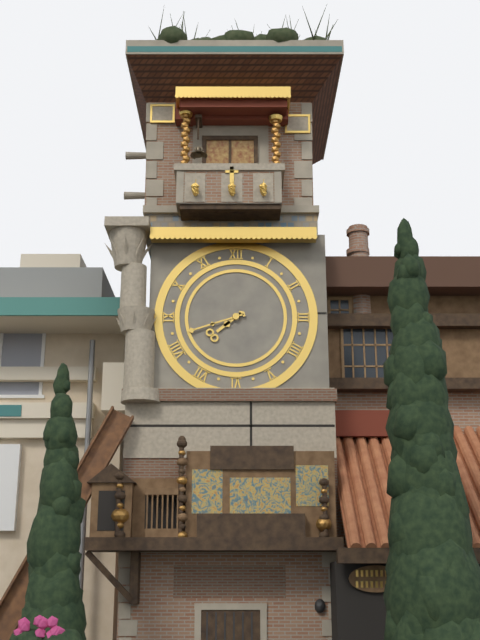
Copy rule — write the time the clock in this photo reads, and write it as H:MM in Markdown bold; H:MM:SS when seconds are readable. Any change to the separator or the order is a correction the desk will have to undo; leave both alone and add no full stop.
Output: **7:42**
